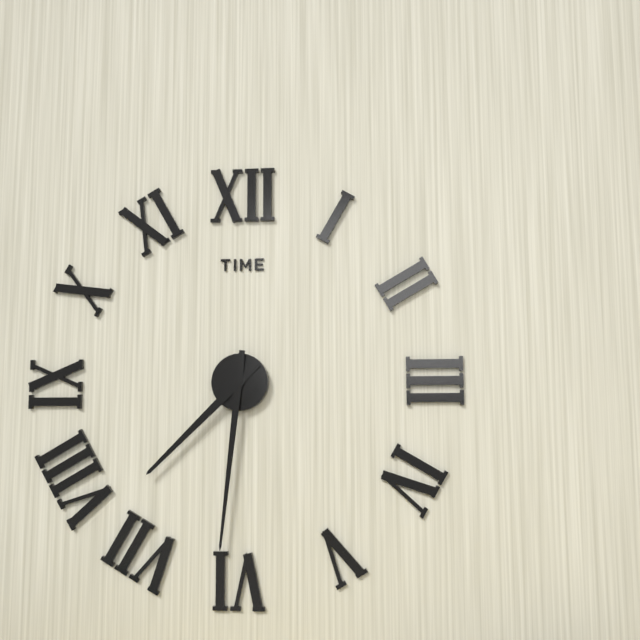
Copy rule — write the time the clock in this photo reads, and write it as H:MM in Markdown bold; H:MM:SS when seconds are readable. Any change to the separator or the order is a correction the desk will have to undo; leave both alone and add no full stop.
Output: **7:31**
